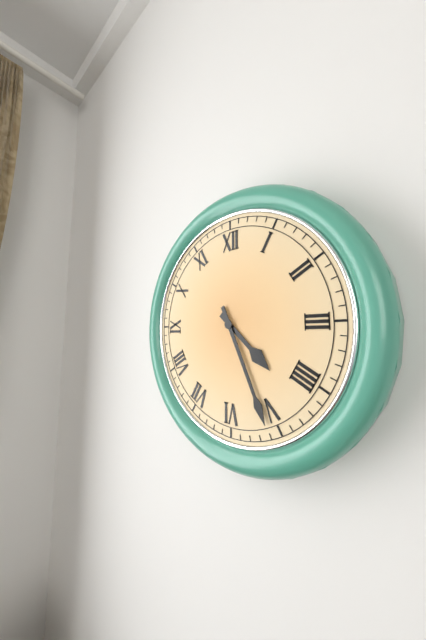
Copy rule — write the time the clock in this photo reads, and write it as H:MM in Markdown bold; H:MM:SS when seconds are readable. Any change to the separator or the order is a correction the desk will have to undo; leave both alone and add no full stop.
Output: **4:26**
